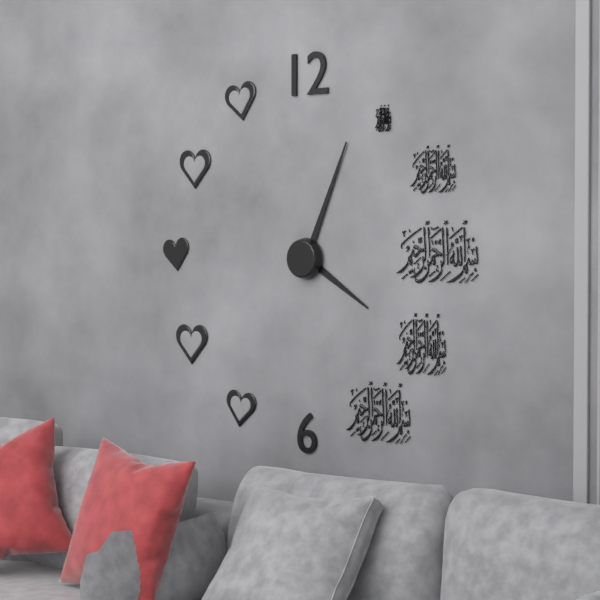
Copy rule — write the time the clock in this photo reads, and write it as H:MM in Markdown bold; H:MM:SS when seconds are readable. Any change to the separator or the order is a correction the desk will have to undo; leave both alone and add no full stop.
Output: **4:04**
